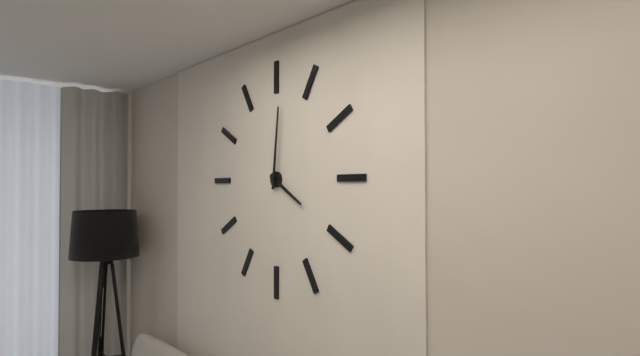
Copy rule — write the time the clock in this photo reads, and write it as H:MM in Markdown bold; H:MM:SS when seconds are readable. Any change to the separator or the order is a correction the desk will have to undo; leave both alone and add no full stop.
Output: **4:01**
